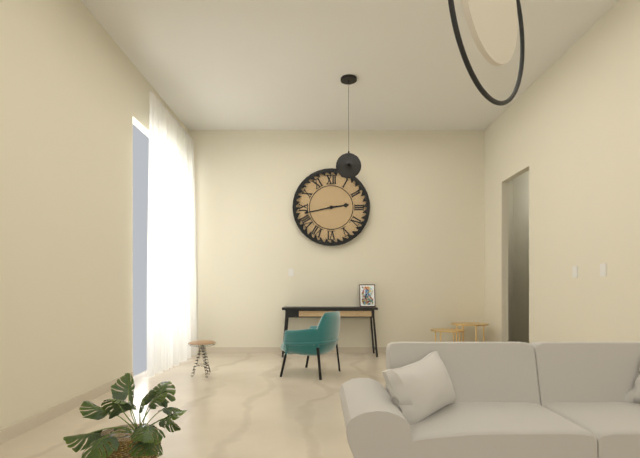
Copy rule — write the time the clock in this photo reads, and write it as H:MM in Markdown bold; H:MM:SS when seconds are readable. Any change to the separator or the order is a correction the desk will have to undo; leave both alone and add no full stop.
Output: **2:43**
